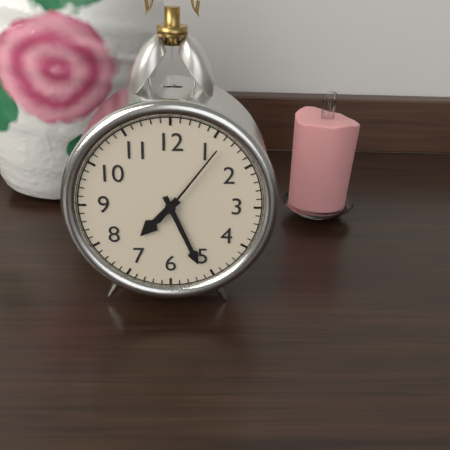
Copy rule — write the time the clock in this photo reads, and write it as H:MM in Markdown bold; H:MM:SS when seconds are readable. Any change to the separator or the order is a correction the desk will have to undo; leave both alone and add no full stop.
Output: **7:26:06**
